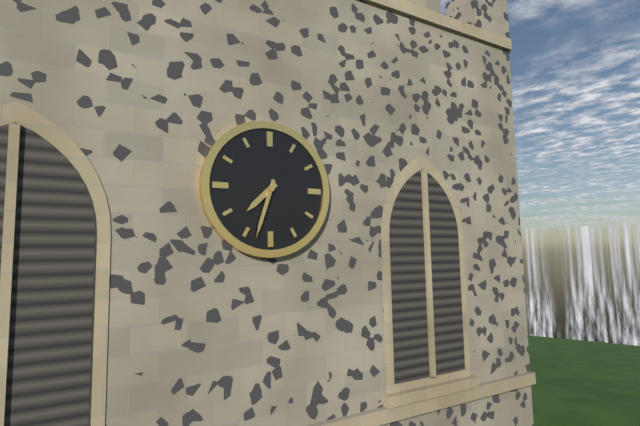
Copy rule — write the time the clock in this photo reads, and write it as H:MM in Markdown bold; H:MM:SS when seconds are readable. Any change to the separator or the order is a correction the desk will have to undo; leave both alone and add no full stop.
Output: **7:33**
